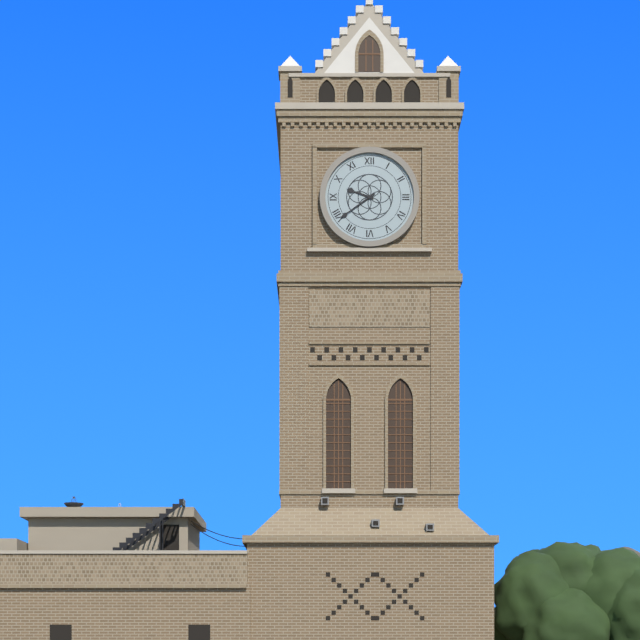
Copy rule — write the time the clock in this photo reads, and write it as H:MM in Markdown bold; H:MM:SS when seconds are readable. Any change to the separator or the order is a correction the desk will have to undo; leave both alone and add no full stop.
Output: **9:39**
